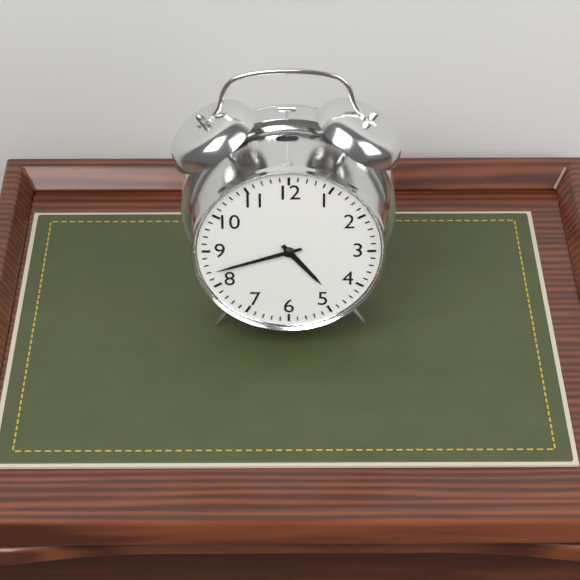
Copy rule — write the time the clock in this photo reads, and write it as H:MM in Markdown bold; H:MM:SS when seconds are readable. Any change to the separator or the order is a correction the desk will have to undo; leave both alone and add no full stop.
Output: **4:42**
